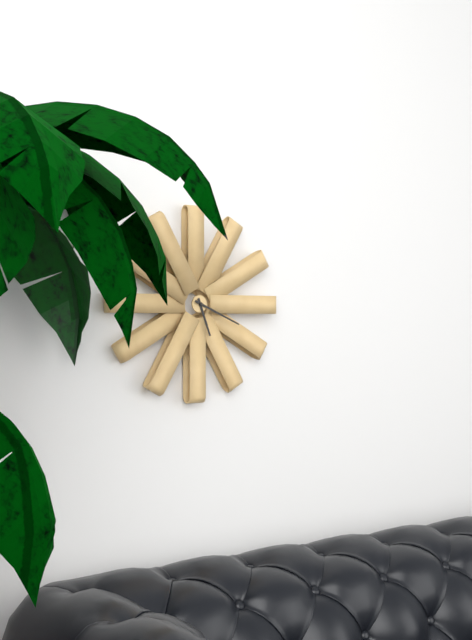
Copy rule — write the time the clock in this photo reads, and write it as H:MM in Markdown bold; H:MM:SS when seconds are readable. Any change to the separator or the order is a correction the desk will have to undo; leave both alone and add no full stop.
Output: **5:19**
